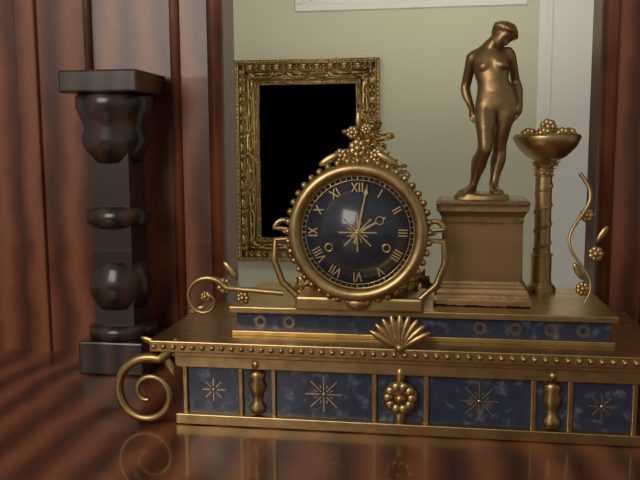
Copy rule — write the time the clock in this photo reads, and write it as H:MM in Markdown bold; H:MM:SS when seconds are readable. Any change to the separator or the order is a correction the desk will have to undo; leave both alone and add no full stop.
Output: **2:02**
